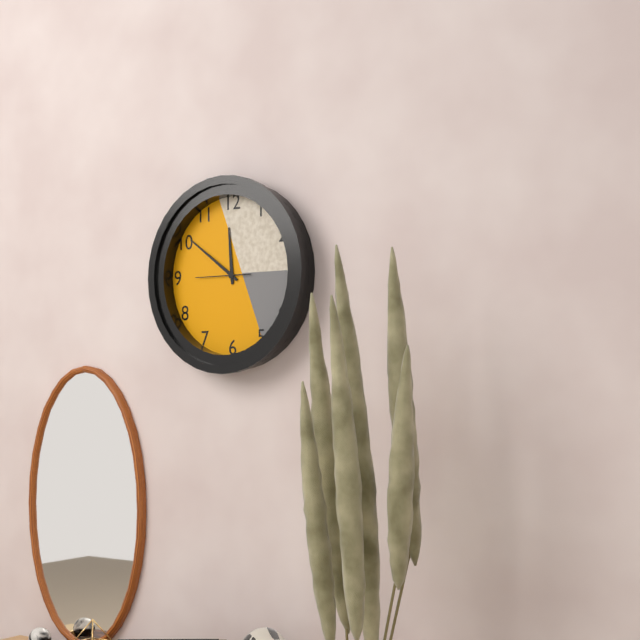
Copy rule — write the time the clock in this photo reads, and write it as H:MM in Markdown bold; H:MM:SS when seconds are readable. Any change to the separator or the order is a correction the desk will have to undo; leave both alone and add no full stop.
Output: **11:51**
